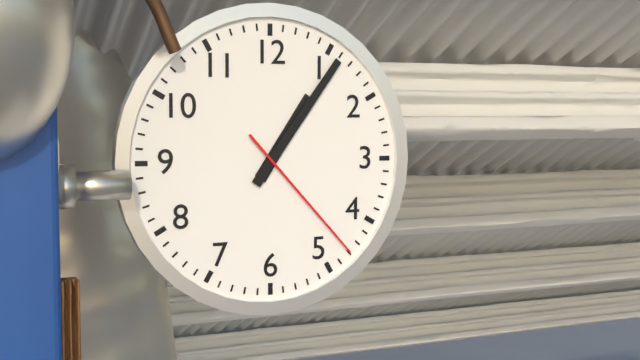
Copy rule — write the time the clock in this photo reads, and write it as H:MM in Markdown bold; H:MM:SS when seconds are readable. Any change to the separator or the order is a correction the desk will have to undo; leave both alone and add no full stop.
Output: **1:06:23**
